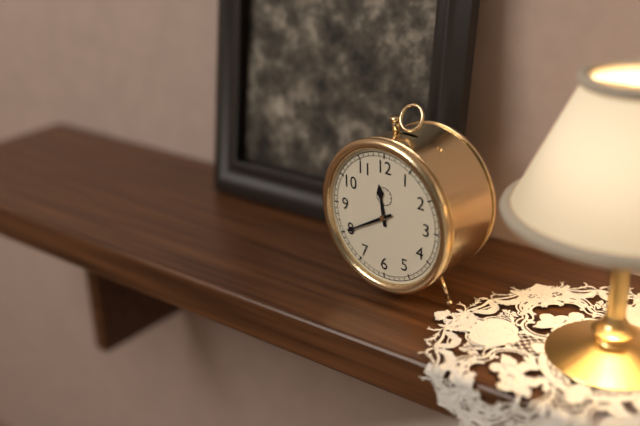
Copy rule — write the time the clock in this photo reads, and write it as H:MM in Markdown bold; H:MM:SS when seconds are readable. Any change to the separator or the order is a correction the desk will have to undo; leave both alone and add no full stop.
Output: **11:40**
